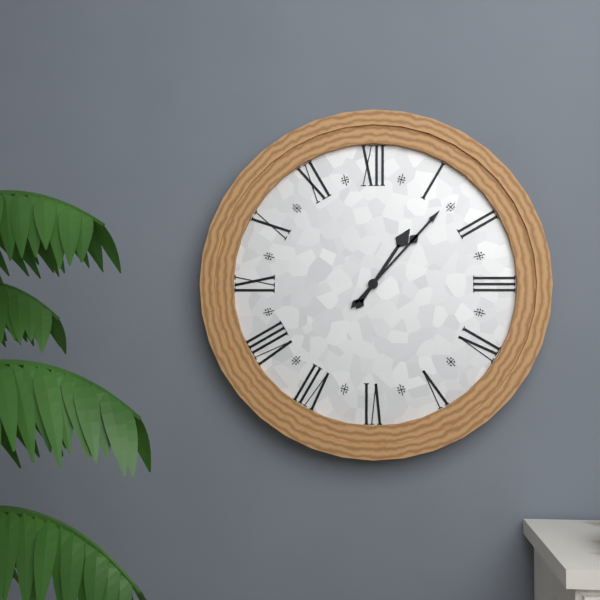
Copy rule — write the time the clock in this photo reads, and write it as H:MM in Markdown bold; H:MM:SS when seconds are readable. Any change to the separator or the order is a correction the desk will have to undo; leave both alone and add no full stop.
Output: **1:07**
